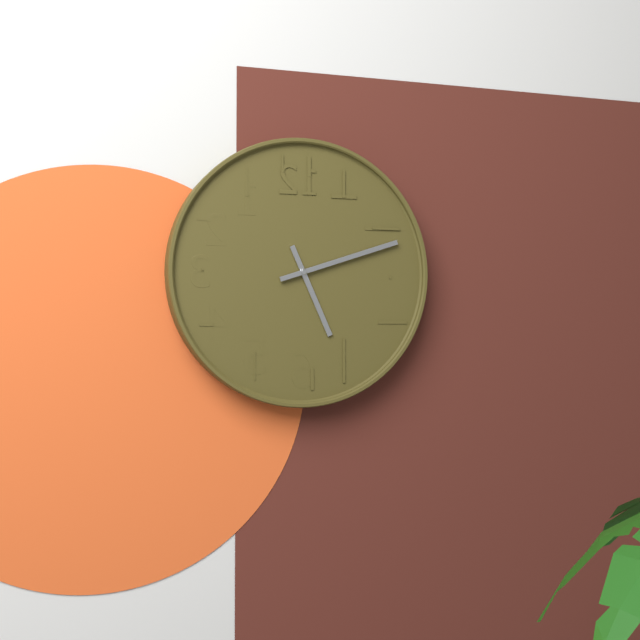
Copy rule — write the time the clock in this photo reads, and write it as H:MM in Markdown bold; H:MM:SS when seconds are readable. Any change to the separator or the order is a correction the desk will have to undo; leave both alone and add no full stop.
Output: **5:12**
